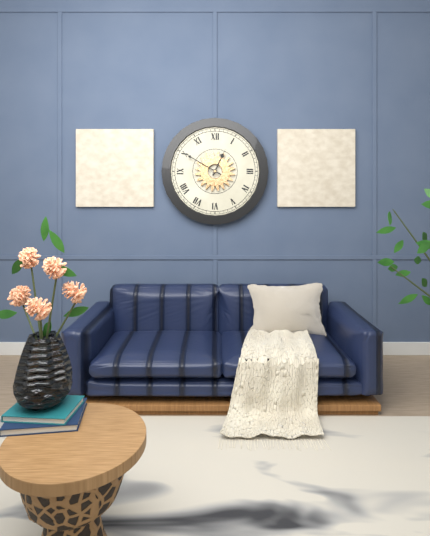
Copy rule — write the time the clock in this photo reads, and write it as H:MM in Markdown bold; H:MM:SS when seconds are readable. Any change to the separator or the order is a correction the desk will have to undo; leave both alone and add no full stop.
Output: **12:50**
